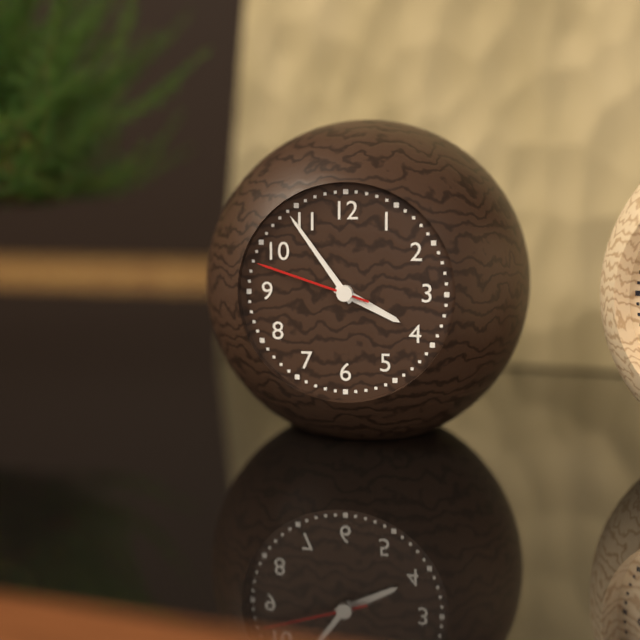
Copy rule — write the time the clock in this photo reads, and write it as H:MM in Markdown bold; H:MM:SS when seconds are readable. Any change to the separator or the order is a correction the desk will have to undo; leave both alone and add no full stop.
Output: **3:54:48**
